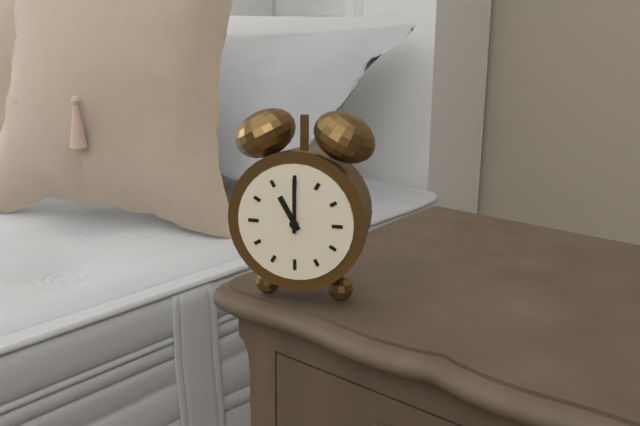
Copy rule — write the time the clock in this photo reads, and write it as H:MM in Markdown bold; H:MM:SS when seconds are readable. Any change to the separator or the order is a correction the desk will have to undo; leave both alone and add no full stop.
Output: **11:00**
